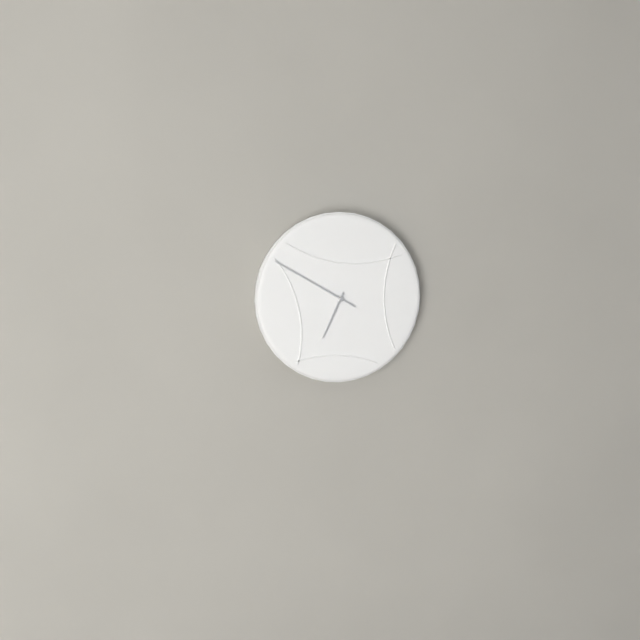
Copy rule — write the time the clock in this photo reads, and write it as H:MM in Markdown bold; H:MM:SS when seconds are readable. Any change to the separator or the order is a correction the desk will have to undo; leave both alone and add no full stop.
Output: **6:50**
